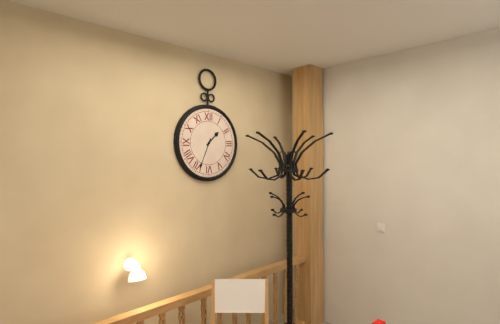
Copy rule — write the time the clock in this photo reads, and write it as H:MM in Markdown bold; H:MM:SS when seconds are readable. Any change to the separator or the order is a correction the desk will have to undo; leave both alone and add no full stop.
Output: **1:34**
